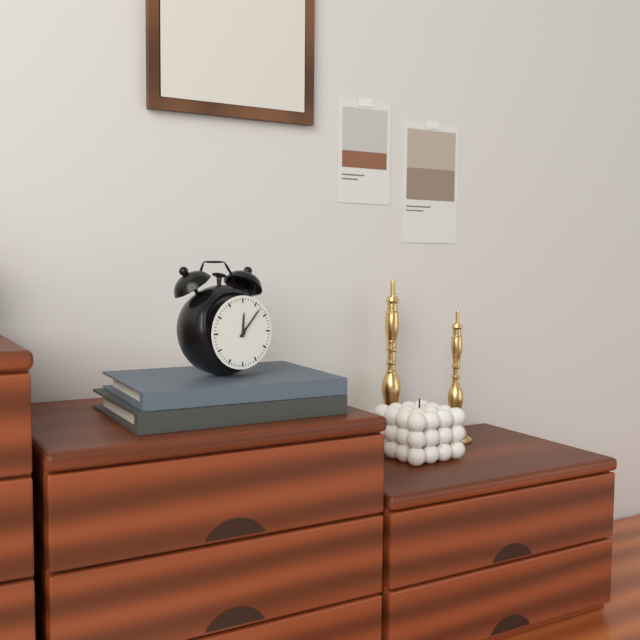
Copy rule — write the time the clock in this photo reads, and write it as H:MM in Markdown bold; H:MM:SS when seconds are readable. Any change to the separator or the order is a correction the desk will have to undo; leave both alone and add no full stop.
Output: **12:07**
